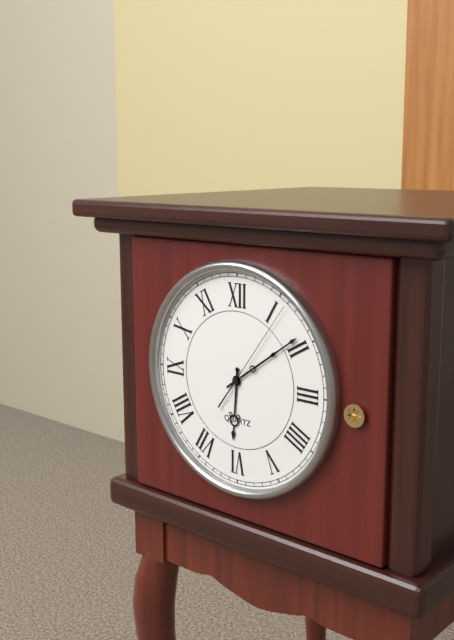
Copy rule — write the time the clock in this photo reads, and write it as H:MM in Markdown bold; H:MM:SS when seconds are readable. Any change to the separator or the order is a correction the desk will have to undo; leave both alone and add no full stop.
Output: **6:09:06**
